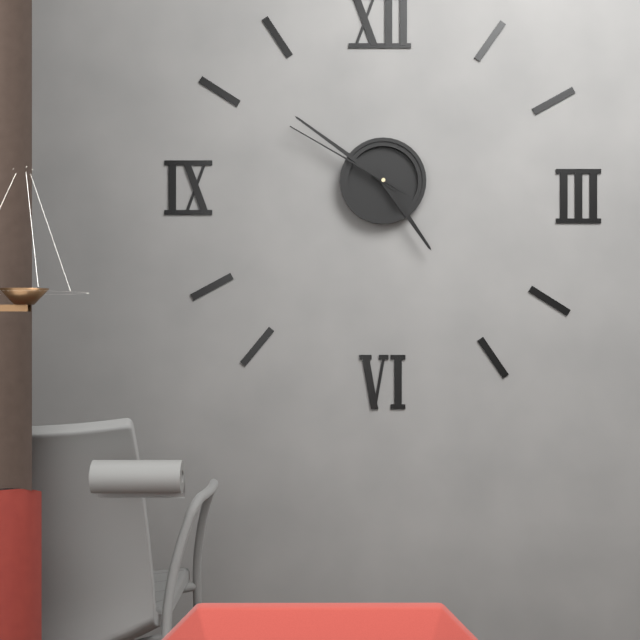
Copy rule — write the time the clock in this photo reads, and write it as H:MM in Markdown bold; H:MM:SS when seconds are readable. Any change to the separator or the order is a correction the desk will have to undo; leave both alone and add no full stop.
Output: **4:51:50**
